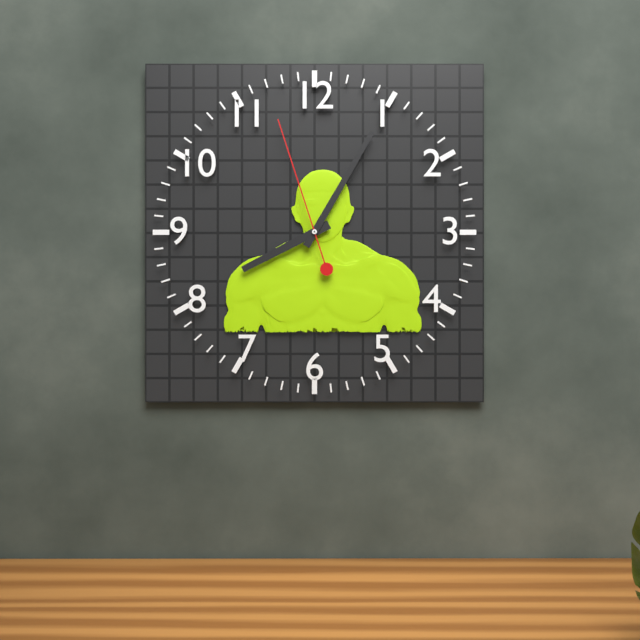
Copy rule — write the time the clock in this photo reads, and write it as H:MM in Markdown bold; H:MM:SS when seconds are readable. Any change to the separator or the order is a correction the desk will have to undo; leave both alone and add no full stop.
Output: **8:05:57**
